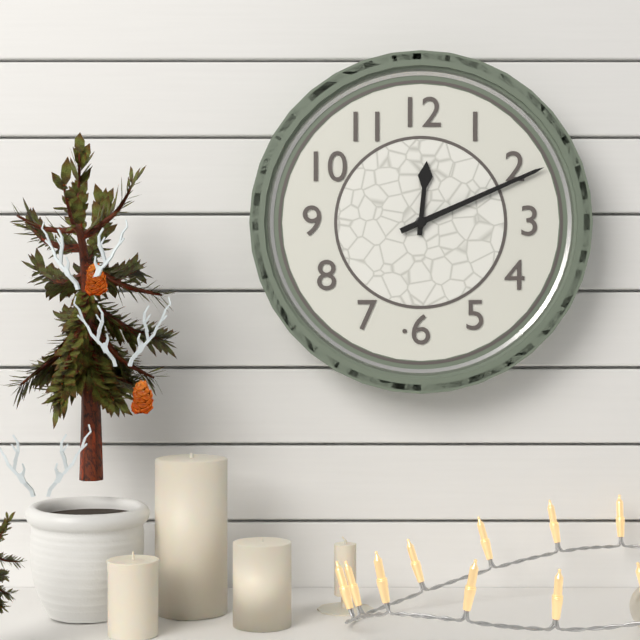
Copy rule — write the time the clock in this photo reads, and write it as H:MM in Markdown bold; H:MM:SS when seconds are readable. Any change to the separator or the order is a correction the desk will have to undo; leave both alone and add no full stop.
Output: **12:11**
